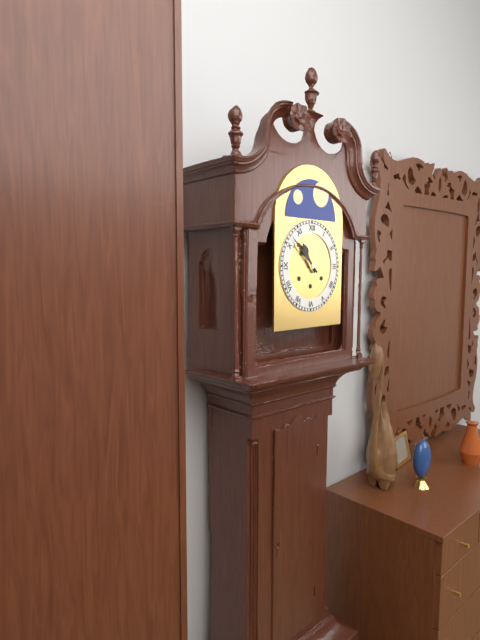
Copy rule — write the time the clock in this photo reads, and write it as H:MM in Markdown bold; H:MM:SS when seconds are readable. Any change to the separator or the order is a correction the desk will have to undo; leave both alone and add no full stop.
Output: **10:52**
